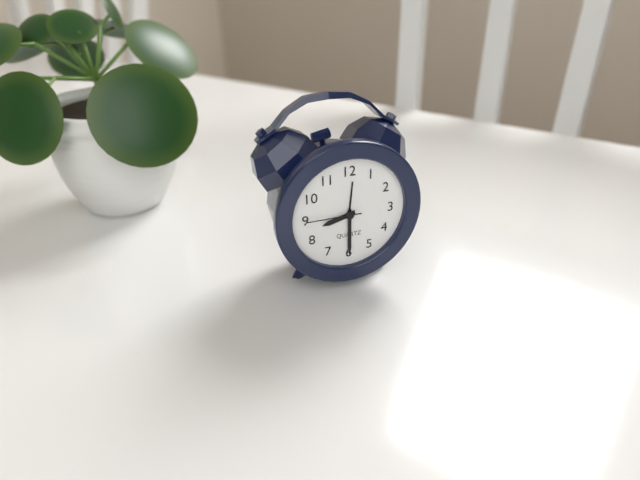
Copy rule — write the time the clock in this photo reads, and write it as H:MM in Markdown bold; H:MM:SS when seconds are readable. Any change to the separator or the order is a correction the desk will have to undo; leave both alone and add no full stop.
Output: **8:30:45**
